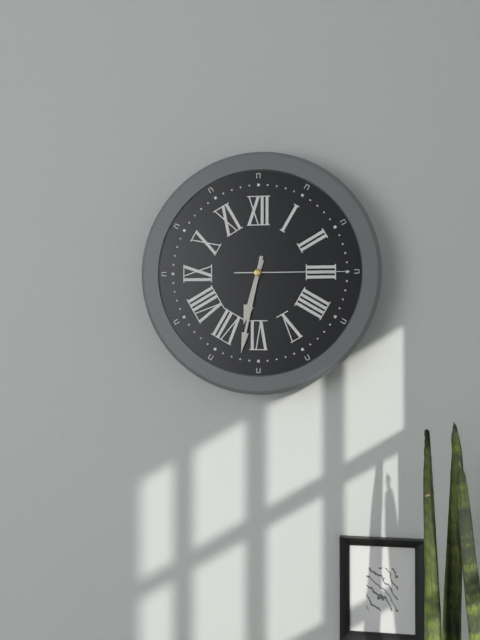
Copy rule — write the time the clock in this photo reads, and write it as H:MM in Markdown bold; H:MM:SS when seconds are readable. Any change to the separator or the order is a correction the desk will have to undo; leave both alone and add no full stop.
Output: **6:32:15**
